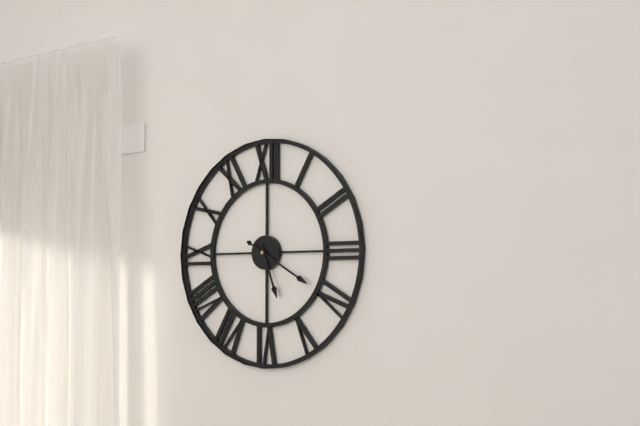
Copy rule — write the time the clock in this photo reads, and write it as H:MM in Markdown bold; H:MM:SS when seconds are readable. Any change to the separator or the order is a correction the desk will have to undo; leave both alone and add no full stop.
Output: **5:20**
